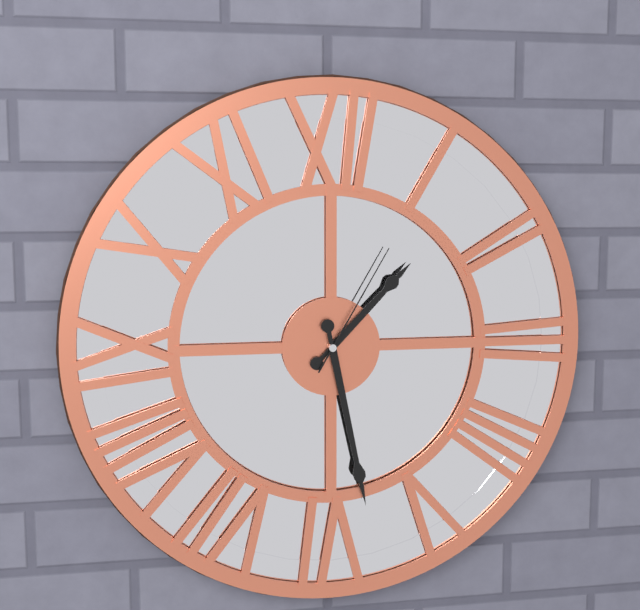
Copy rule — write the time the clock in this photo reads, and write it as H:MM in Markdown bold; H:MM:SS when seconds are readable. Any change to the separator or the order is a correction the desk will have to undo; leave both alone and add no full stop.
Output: **1:28:05**
